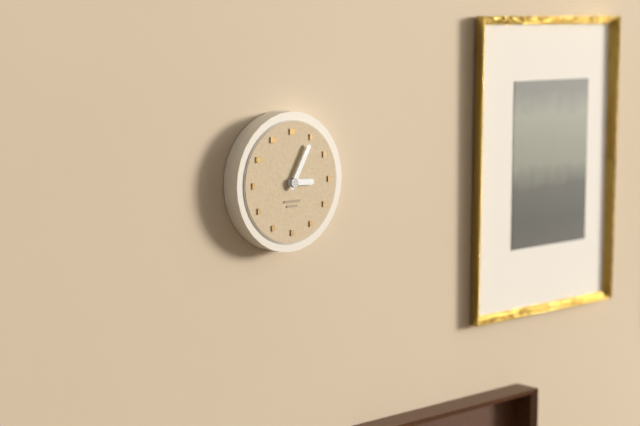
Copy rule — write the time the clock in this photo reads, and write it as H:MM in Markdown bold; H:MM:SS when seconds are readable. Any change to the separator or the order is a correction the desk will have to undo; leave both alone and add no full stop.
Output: **3:05**
